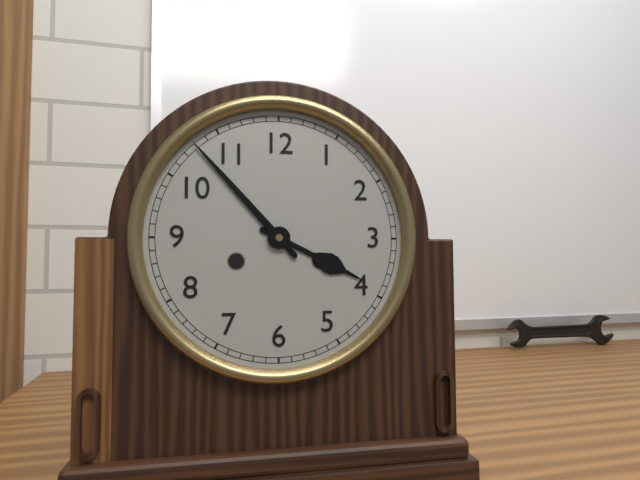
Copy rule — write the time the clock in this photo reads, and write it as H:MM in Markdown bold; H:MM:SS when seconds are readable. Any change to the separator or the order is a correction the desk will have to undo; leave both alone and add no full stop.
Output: **3:53**
